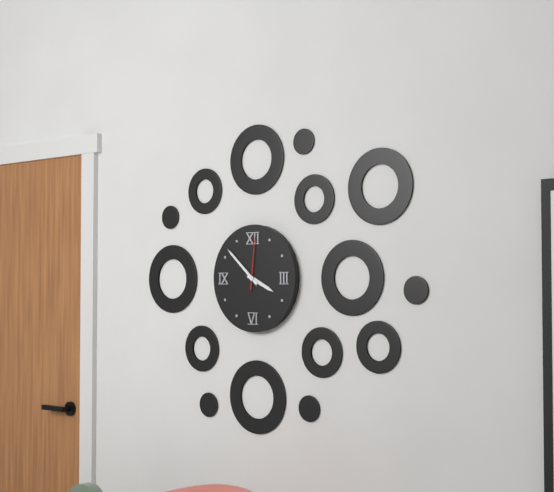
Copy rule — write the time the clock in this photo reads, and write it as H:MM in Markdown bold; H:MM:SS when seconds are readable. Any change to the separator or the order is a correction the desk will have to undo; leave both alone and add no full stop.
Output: **3:52:01**
